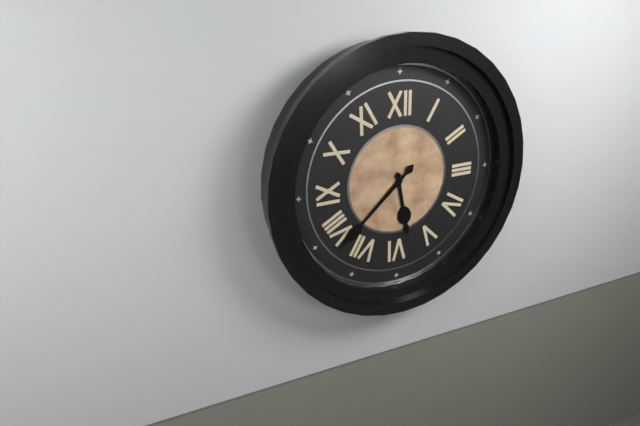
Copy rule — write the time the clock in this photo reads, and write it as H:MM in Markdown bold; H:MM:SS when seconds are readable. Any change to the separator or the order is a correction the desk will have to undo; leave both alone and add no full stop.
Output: **5:38**
